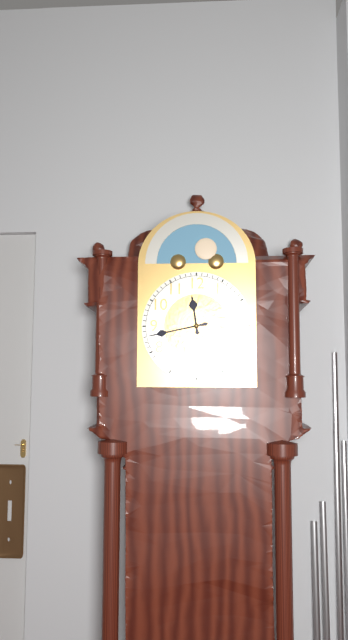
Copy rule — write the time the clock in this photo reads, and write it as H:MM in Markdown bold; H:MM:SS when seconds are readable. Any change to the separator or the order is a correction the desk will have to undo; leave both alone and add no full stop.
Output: **11:43**
